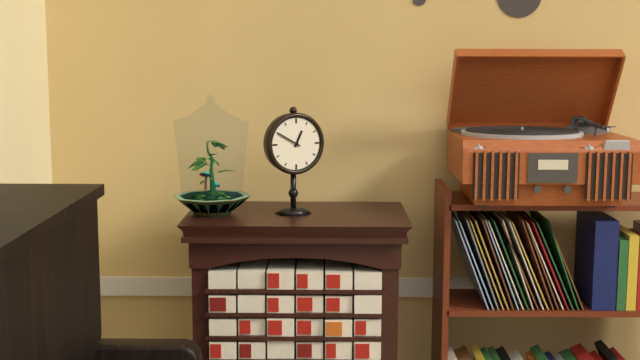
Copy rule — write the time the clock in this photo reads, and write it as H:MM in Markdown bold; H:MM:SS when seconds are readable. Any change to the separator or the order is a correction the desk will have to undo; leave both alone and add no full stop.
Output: **12:50**
